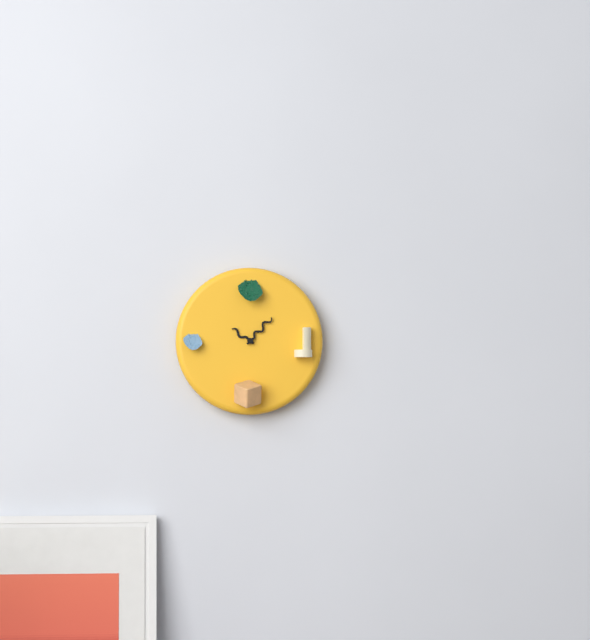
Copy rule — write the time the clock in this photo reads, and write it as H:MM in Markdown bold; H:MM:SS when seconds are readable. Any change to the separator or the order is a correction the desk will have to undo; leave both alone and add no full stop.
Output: **10:07**
